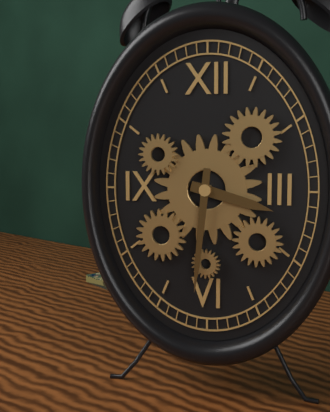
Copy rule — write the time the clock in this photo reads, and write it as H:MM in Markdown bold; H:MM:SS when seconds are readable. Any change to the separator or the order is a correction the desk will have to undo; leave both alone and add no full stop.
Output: **3:31**
